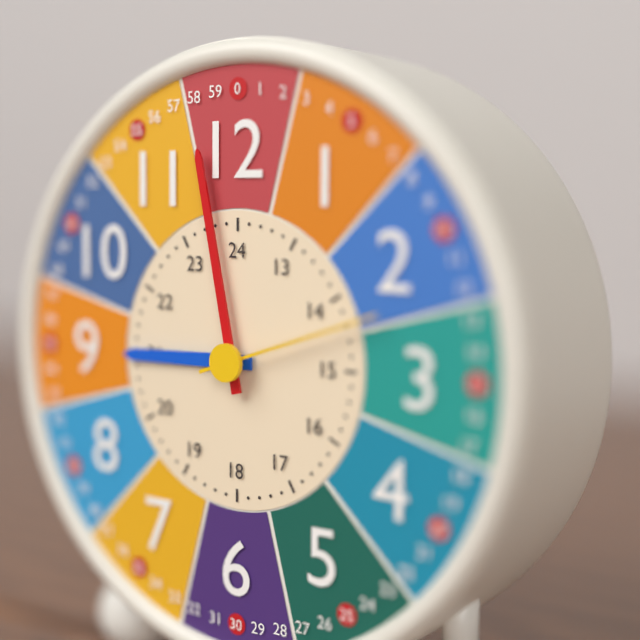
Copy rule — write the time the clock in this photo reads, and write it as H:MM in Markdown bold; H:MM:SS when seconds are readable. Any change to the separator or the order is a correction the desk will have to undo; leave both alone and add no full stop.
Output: **8:58:12**
